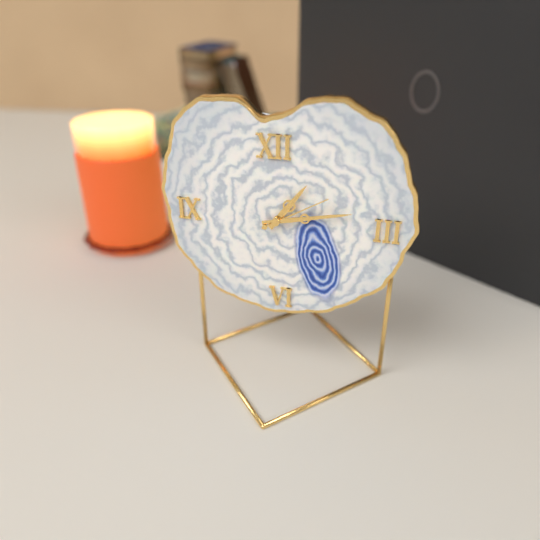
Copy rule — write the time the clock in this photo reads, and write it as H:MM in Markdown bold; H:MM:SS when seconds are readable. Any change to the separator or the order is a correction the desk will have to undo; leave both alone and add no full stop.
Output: **1:13:10**
